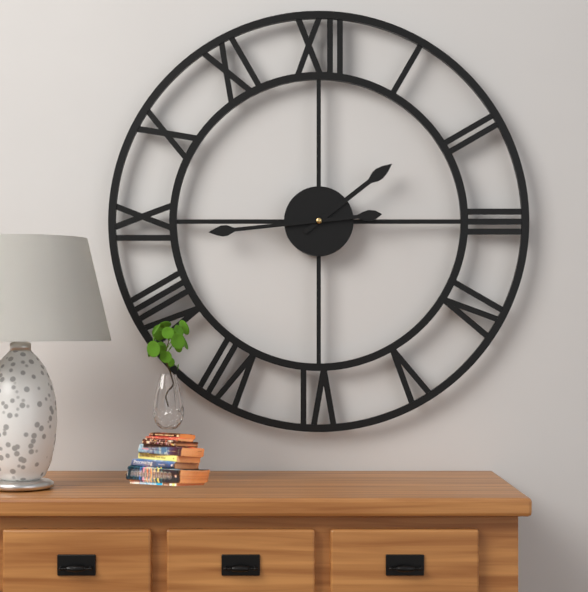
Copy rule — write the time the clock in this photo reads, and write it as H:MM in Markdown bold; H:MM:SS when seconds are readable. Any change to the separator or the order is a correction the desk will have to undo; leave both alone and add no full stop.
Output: **1:44**
